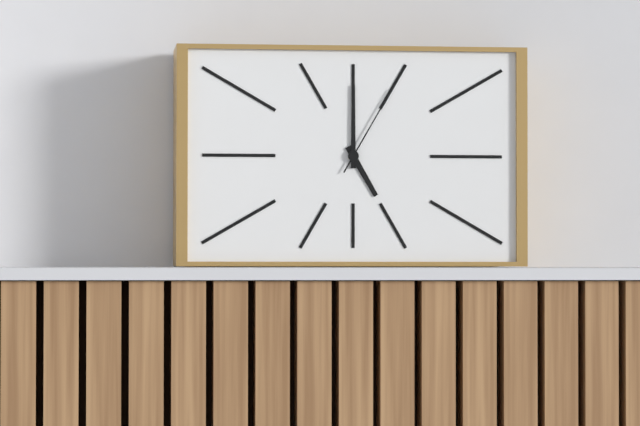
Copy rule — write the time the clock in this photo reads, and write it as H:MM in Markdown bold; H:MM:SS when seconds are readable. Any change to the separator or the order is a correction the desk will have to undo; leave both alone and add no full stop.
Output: **5:00:05**
